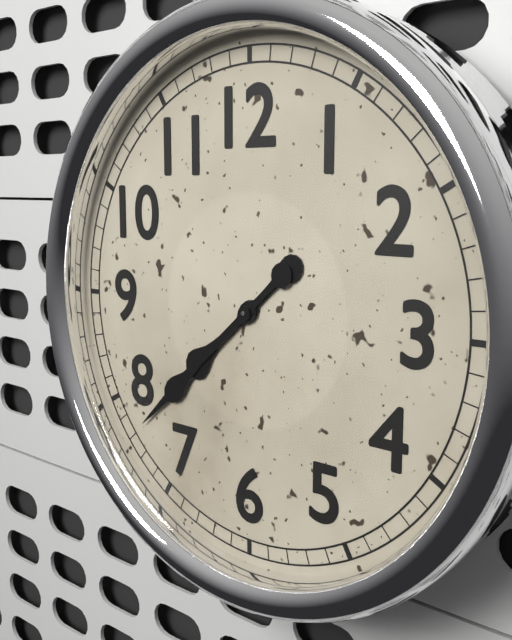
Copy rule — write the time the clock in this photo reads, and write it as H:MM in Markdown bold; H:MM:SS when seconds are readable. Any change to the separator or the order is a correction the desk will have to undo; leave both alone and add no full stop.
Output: **7:38**
